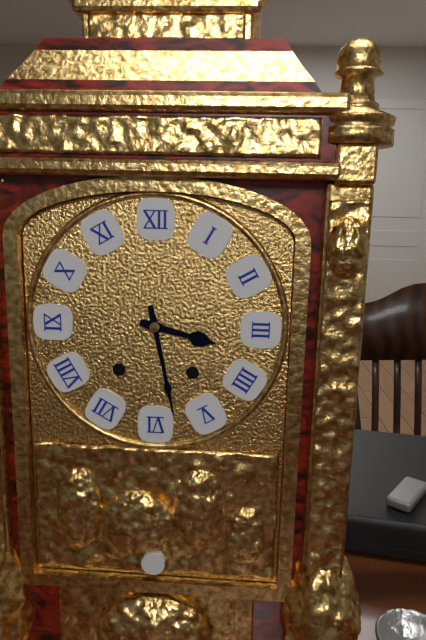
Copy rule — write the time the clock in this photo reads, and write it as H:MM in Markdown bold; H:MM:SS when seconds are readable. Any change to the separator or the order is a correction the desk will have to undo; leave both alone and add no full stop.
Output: **3:28**
